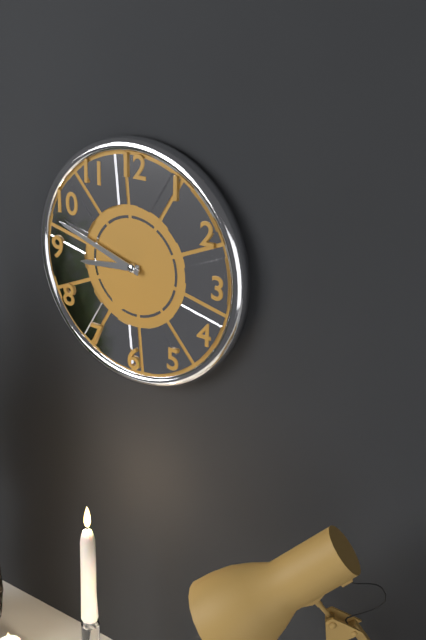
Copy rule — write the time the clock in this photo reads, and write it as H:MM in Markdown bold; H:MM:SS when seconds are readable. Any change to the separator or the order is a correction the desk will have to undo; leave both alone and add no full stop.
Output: **8:48**
